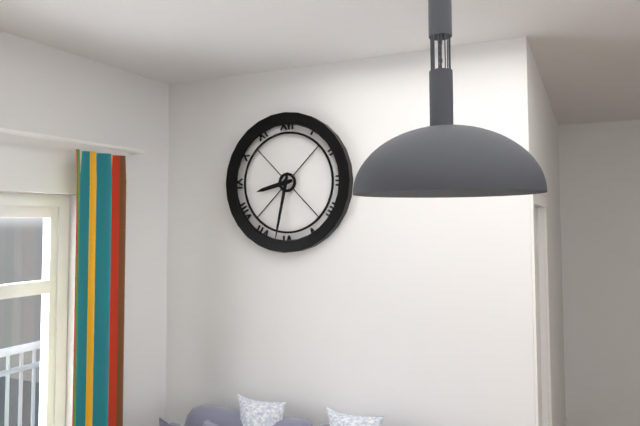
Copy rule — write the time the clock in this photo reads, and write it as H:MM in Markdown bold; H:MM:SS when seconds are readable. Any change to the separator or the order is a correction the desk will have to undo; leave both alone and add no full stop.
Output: **8:32**
